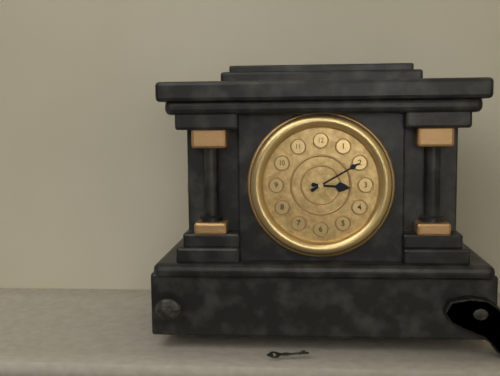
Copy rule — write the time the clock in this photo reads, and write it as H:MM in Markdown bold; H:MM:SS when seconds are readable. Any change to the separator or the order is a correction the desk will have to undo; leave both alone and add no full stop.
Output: **3:10**
